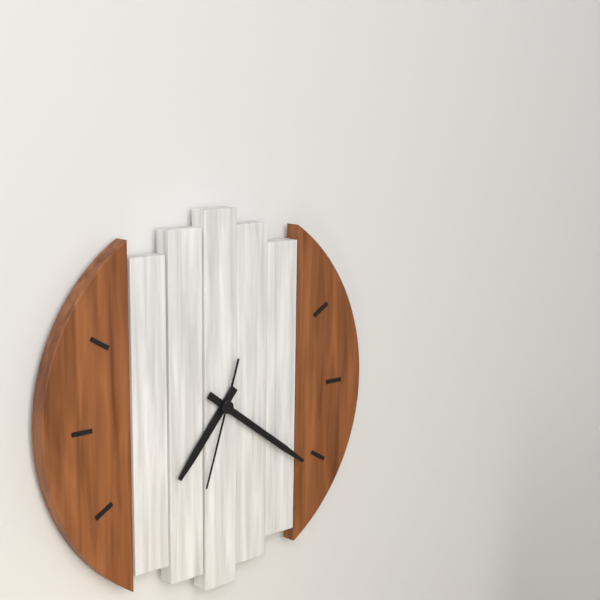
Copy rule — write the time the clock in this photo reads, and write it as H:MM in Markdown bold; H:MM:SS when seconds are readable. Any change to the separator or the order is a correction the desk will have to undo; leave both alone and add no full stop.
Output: **7:21:33**
